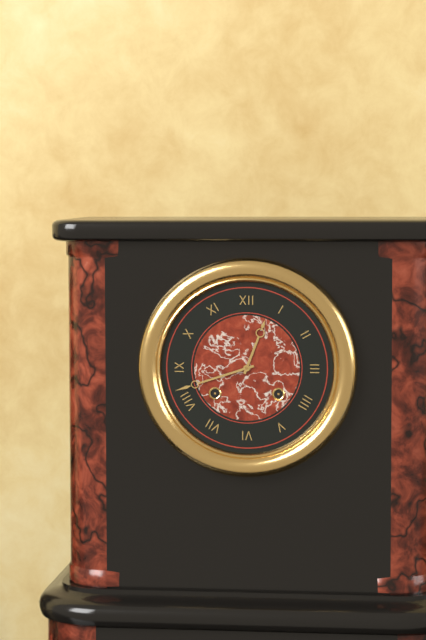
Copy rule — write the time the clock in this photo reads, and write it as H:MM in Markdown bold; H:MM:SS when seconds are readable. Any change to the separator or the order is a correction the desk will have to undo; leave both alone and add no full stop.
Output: **12:42**
